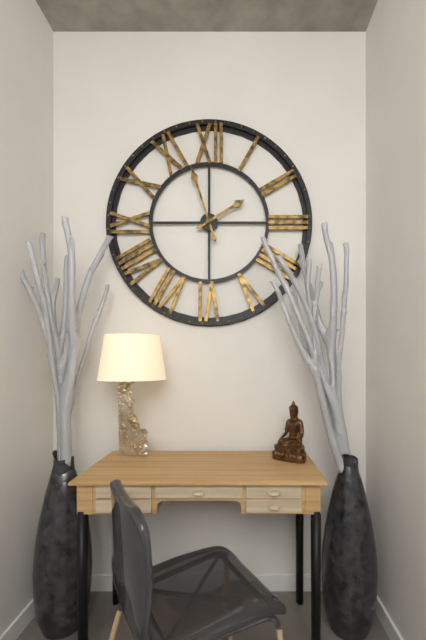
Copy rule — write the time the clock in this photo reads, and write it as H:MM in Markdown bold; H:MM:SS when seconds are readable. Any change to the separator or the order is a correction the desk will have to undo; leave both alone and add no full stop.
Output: **1:57**
